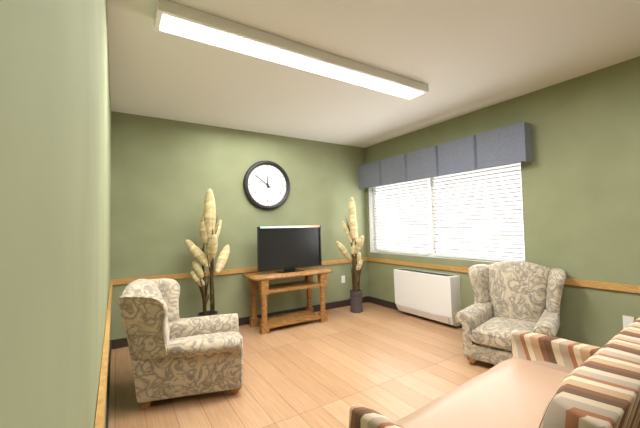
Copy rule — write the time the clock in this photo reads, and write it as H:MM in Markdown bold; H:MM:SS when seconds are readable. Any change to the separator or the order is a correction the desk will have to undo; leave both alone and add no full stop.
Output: **11:51**
